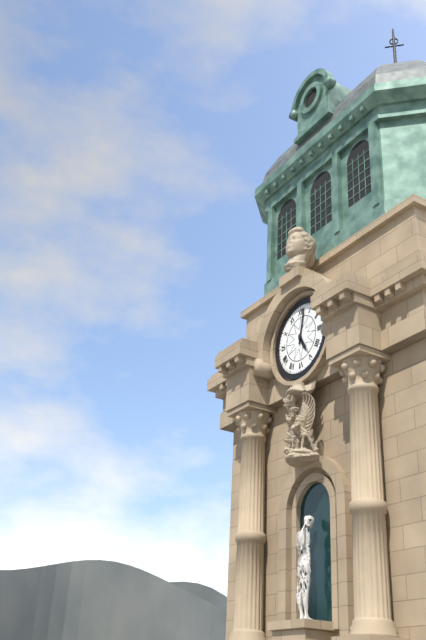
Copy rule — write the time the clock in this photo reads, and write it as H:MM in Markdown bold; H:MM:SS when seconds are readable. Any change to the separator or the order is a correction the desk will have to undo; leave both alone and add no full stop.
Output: **5:02**
